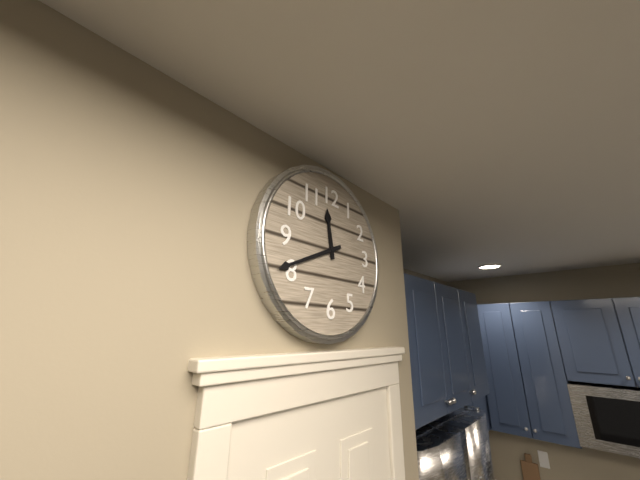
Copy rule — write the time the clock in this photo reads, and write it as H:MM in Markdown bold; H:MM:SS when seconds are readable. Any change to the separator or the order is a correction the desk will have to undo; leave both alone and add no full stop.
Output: **11:41**
